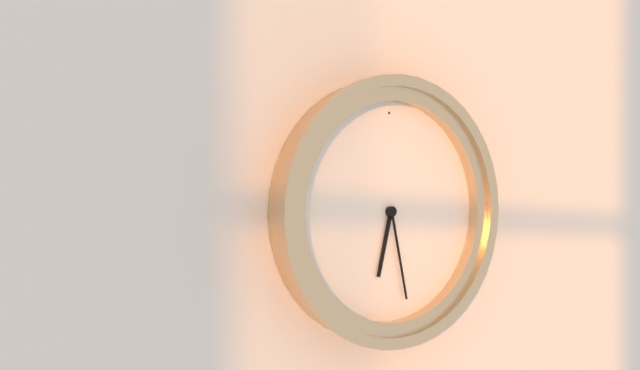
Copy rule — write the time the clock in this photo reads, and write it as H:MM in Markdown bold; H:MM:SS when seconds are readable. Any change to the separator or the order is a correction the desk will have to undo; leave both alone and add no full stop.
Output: **6:28**
